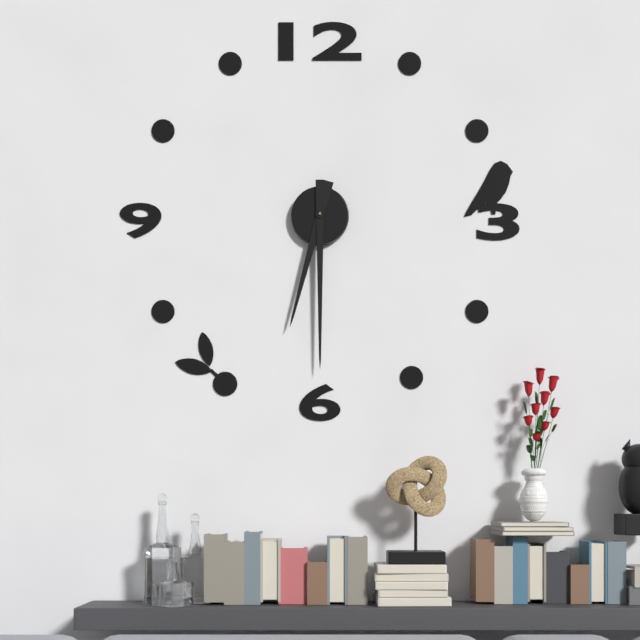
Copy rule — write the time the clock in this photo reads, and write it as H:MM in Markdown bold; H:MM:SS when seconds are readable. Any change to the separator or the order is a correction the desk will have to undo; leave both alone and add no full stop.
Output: **6:30**
